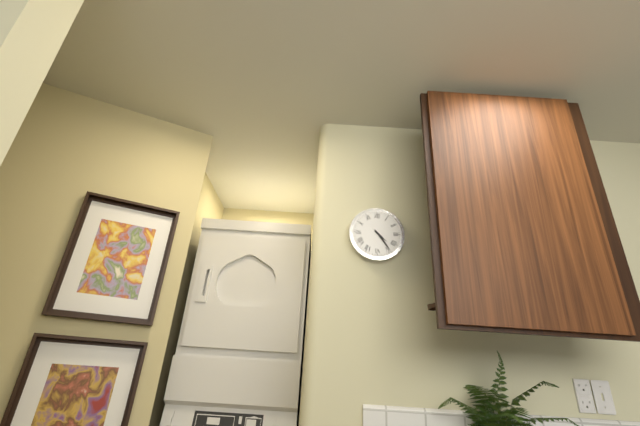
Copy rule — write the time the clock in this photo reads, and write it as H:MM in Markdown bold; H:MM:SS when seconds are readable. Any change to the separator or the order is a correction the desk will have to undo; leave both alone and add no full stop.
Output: **4:24**
